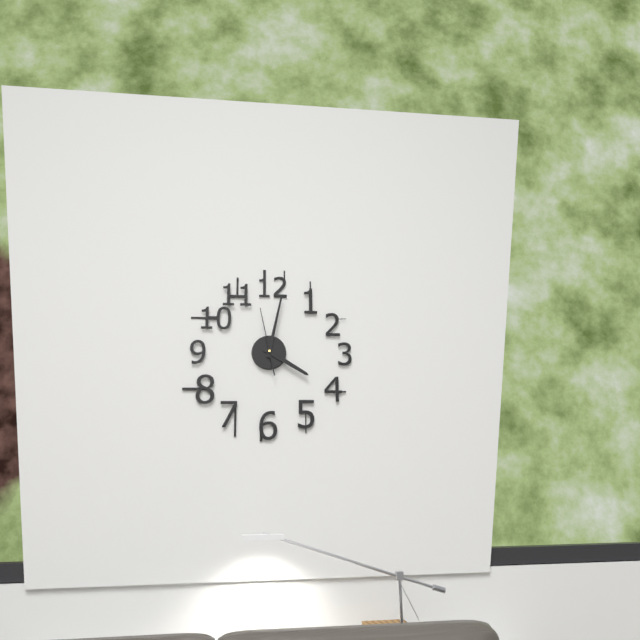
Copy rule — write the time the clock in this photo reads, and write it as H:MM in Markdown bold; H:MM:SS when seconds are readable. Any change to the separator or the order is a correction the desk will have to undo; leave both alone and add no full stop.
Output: **4:02:58**
